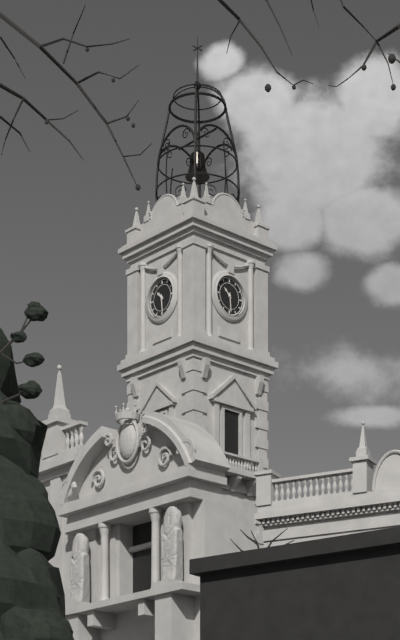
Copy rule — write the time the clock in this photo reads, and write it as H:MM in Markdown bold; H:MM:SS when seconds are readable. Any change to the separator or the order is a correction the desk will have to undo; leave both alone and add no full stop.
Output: **10:29**
